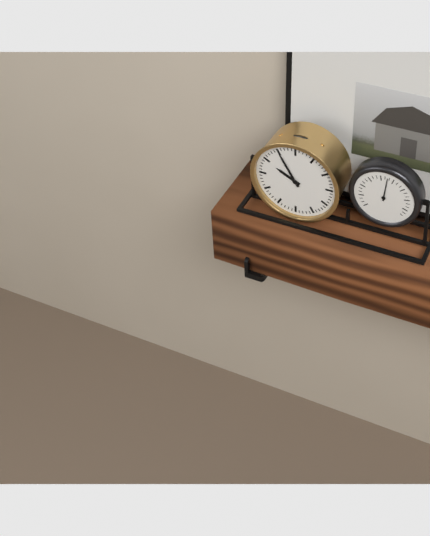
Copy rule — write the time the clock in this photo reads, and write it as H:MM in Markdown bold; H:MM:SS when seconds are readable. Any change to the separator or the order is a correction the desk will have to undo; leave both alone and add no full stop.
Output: **9:55**
